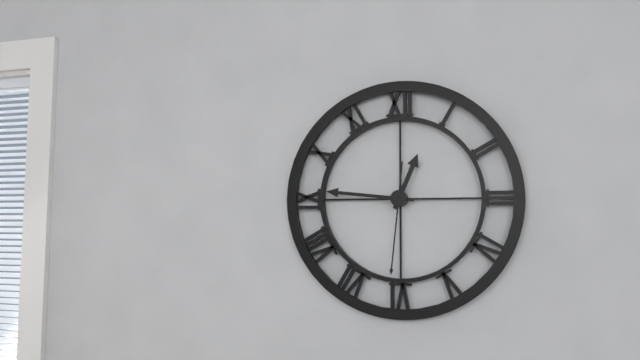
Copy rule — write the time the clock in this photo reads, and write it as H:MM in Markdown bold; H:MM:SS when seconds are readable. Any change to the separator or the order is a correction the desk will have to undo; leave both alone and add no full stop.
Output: **12:46:31**
